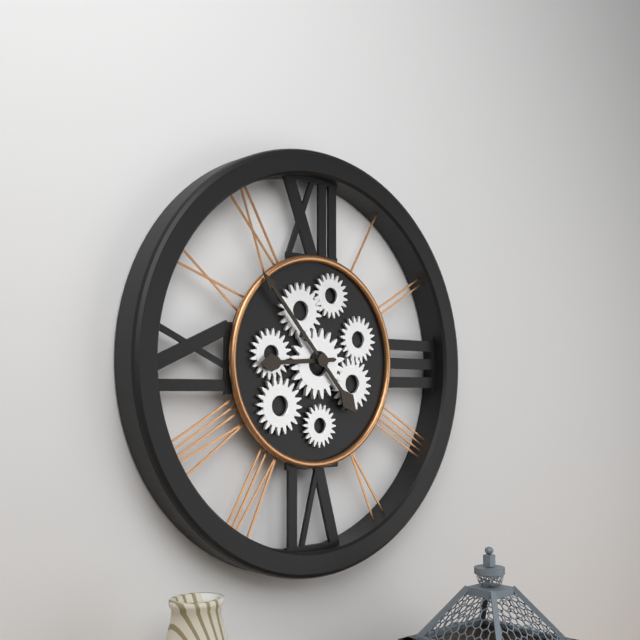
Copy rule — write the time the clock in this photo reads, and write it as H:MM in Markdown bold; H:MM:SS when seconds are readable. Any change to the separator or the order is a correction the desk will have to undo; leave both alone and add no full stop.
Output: **8:53**
